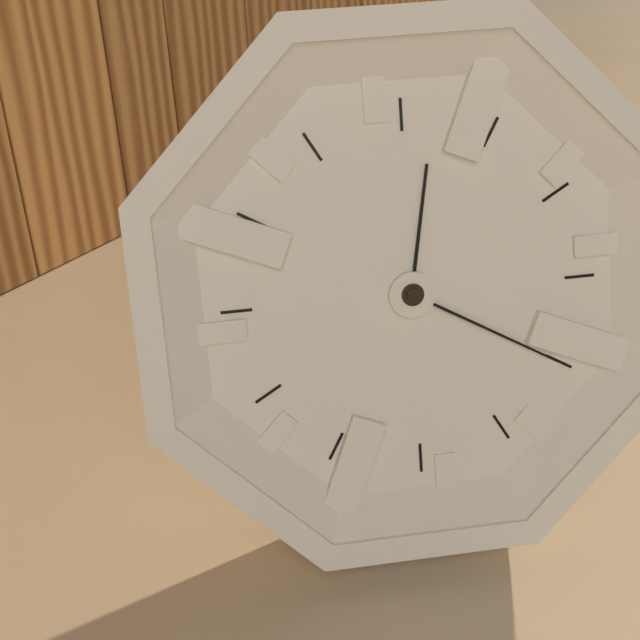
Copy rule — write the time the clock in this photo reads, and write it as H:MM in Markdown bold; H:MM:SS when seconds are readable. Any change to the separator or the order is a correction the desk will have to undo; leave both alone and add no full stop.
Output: **12:20**
